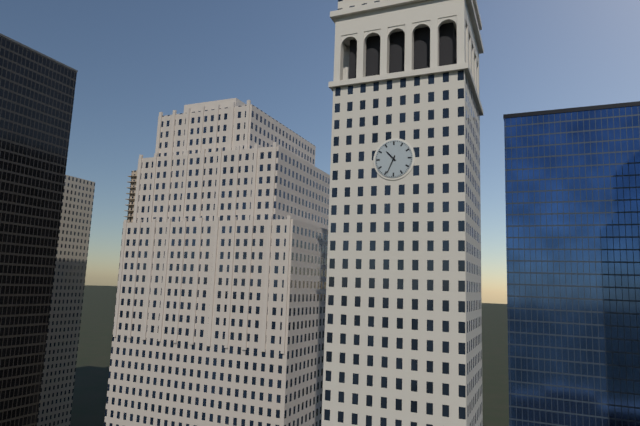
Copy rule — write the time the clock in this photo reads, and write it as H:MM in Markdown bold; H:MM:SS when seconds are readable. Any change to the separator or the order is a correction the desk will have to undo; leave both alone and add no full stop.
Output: **10:34**
